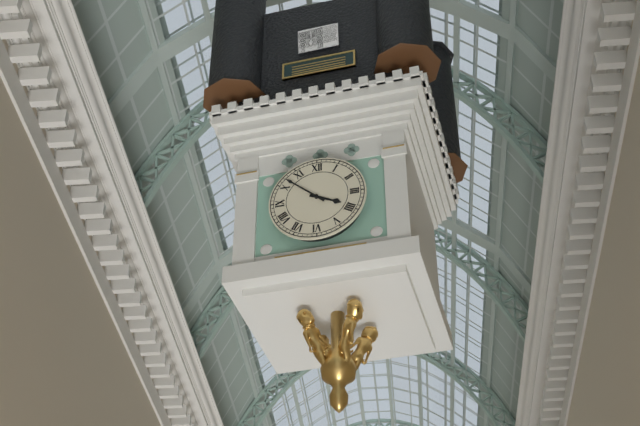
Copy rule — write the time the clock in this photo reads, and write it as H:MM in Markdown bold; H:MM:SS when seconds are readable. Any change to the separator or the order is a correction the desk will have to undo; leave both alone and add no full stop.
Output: **3:52**
